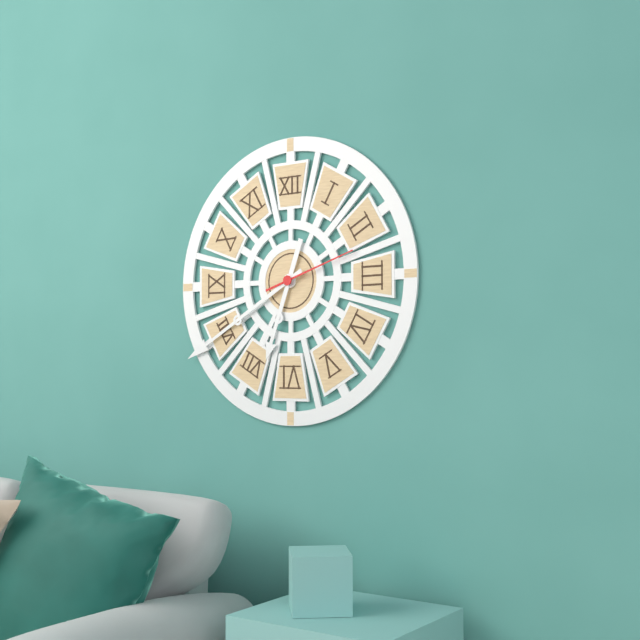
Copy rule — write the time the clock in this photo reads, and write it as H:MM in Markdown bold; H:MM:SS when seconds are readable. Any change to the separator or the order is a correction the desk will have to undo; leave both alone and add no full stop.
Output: **6:40:12**
